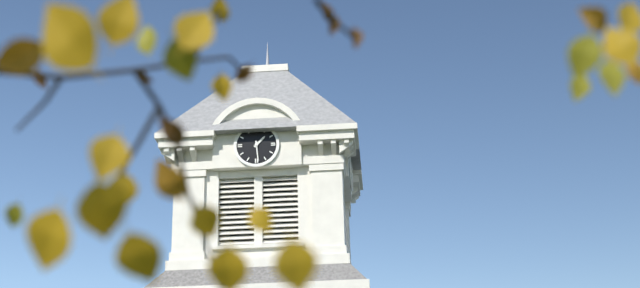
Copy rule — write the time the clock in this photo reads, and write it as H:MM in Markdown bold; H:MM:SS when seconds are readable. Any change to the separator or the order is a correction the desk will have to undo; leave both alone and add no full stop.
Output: **1:29**
